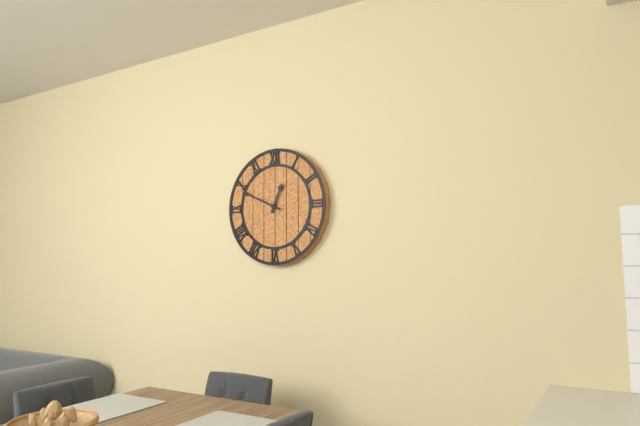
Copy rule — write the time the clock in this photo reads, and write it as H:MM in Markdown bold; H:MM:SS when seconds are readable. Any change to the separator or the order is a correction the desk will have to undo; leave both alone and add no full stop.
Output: **12:49**
